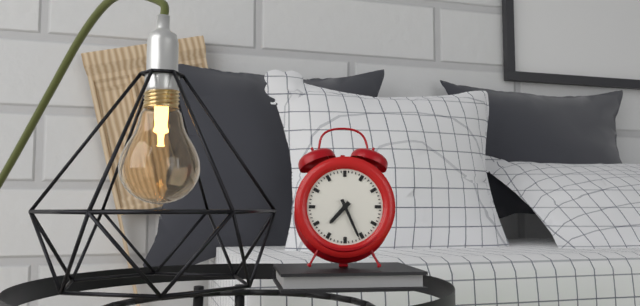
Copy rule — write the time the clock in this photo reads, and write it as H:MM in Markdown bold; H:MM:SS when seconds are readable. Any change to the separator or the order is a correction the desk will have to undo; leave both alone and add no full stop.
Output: **7:26**
